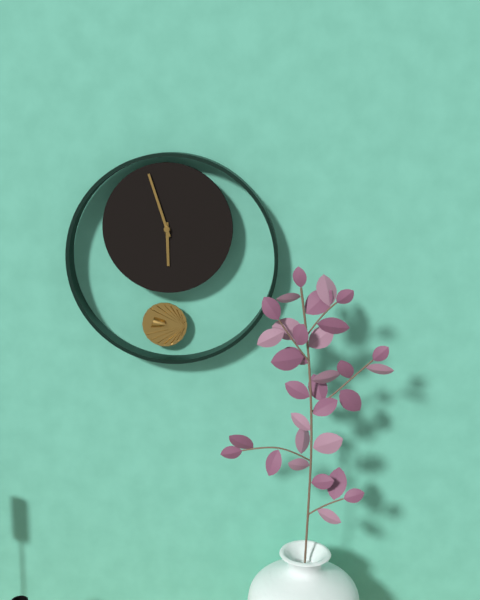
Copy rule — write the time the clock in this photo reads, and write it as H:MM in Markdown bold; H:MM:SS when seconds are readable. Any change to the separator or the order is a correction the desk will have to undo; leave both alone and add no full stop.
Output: **5:57**
